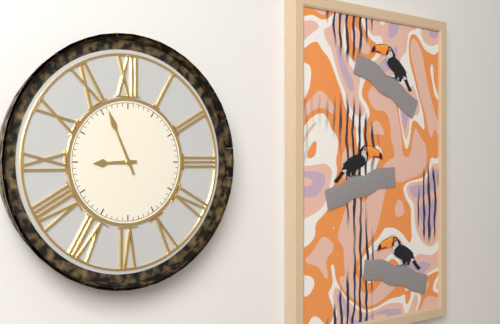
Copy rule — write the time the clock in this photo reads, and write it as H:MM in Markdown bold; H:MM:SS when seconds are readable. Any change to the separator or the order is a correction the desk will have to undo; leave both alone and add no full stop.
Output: **8:56**
